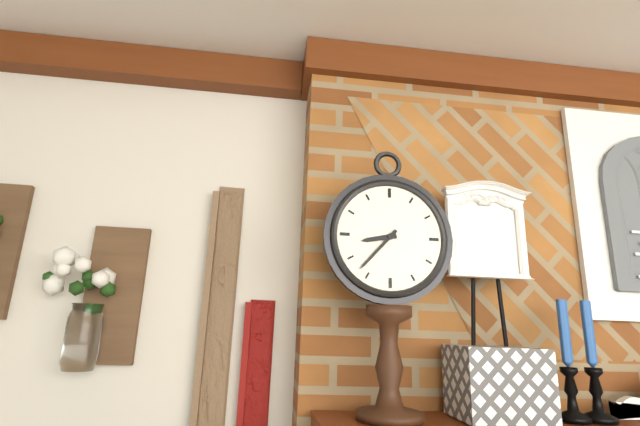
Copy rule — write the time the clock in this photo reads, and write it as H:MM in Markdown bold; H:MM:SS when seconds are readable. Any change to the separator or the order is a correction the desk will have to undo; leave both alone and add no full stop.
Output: **8:37**
